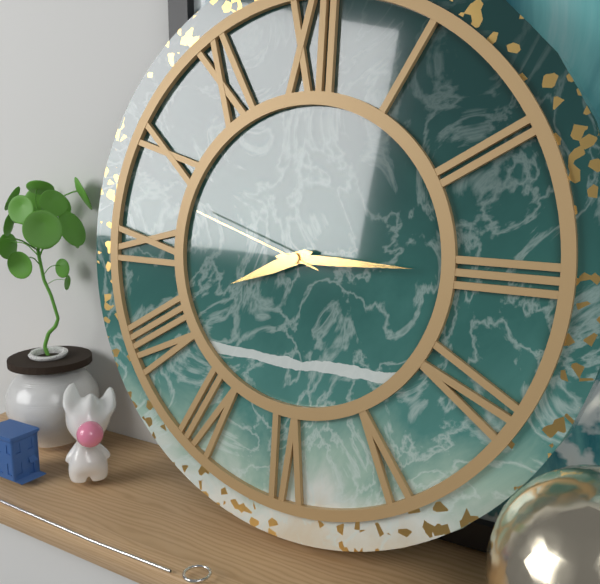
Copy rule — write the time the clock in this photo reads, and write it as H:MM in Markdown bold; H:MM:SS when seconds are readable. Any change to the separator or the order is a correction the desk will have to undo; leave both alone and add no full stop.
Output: **8:15:48**
